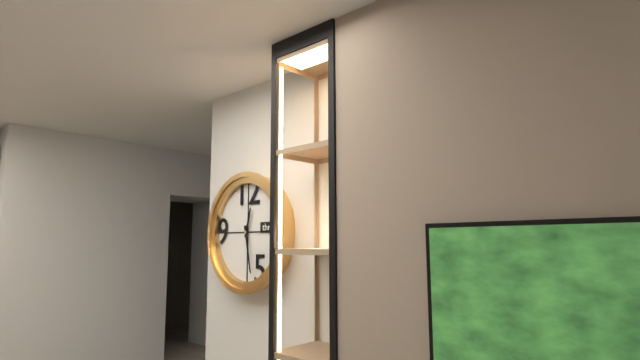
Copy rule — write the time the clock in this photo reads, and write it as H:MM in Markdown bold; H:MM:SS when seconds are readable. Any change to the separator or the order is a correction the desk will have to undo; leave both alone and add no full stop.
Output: **12:28**
